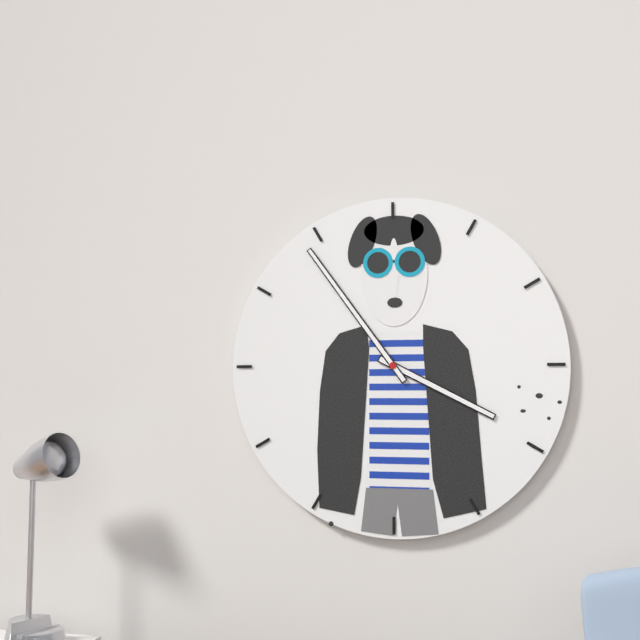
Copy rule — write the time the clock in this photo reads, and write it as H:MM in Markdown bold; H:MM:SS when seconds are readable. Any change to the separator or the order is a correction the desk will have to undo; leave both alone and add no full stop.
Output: **3:54**
